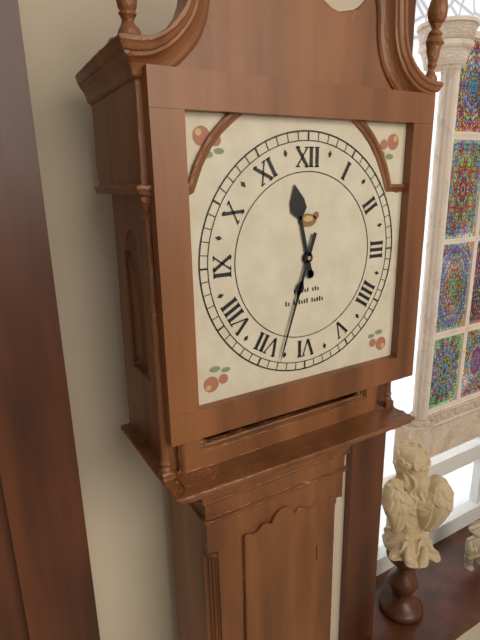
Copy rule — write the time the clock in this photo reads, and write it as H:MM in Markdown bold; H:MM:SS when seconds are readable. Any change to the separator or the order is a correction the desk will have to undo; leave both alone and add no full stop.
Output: **11:33**
